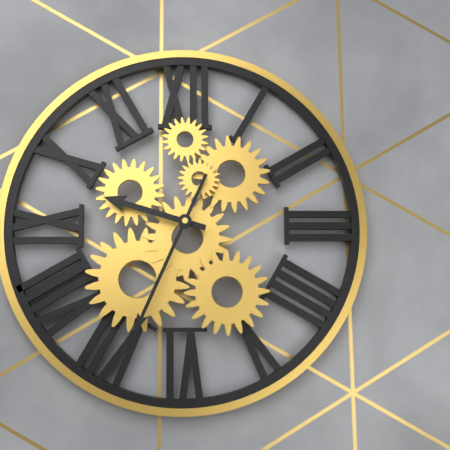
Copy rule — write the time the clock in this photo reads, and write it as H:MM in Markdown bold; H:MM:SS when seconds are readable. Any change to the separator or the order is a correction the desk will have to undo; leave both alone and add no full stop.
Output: **9:34**
